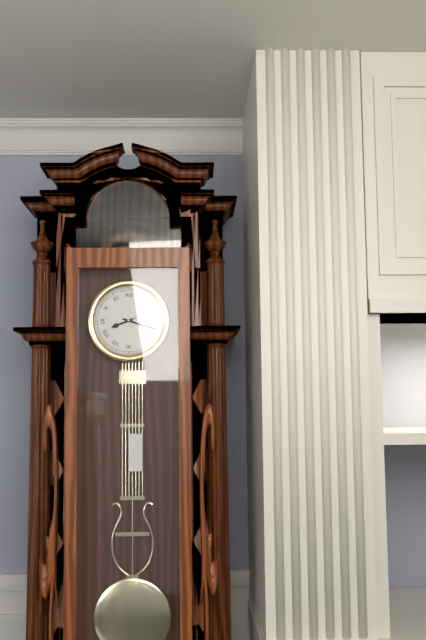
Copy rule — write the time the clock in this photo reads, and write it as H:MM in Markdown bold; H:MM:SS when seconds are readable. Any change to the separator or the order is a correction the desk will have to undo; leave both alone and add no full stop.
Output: **8:18**
